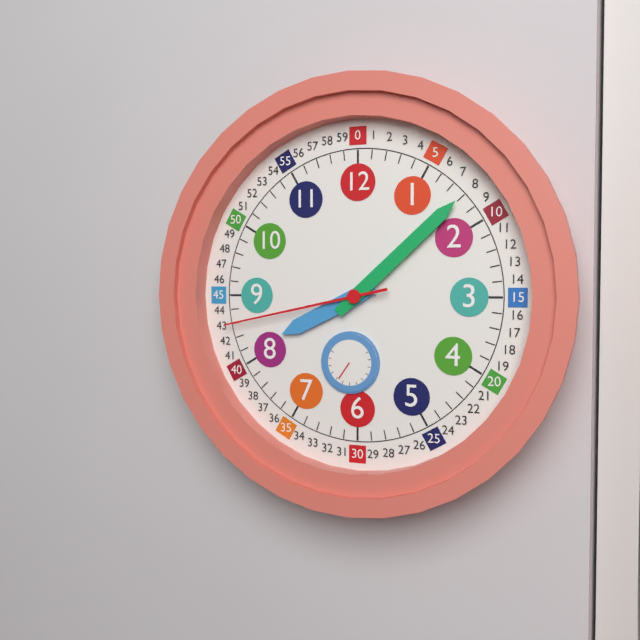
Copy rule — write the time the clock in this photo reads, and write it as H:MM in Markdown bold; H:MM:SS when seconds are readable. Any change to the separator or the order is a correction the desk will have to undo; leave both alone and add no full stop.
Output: **8:08:43**
